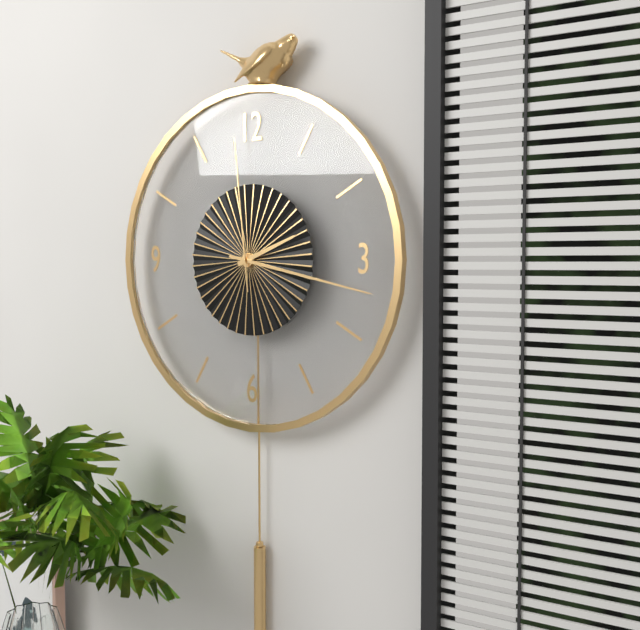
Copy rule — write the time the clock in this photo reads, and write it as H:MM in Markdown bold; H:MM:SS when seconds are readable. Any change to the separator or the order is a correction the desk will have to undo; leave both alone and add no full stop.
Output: **2:17:59**
